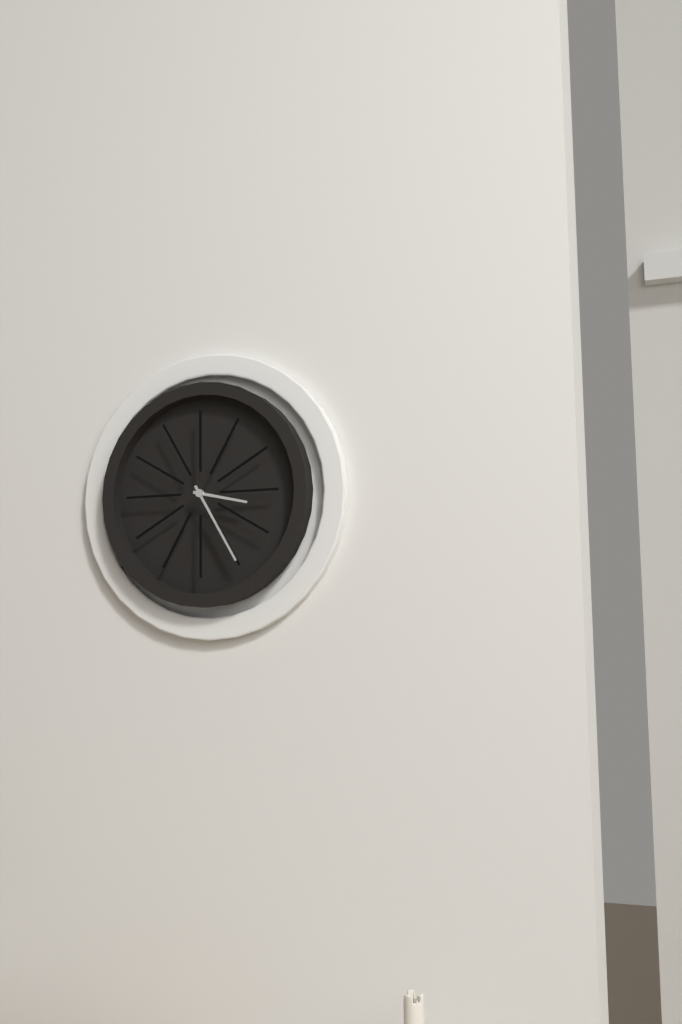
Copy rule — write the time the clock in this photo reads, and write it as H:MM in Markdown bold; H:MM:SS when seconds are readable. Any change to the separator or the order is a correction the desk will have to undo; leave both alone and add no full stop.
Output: **3:25**
